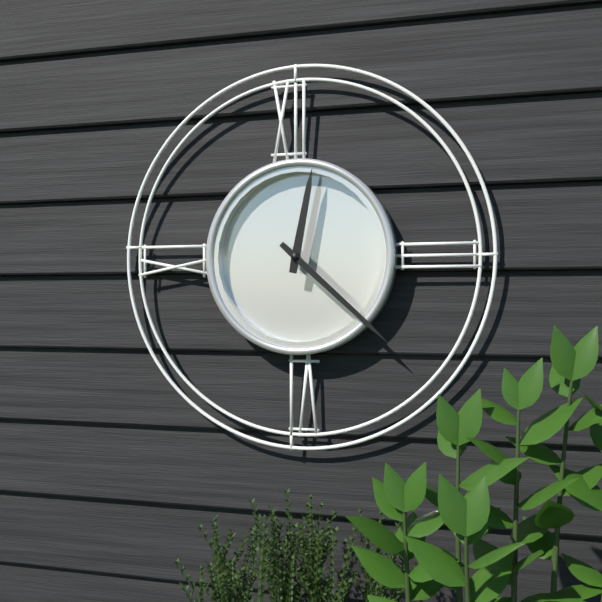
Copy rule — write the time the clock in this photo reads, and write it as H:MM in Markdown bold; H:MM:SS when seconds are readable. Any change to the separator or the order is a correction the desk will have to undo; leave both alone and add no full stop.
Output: **12:22**
